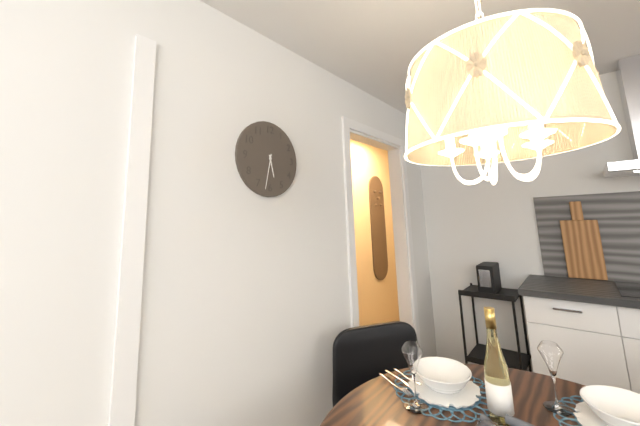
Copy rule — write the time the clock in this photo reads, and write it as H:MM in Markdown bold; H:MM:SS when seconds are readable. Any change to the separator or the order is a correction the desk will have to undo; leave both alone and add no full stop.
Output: **5:32**
